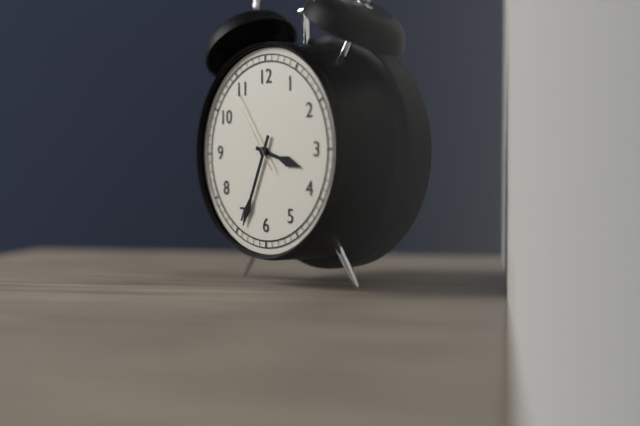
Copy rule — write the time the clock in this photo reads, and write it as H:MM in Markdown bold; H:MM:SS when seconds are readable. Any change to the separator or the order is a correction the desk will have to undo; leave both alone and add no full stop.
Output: **3:34:54**
